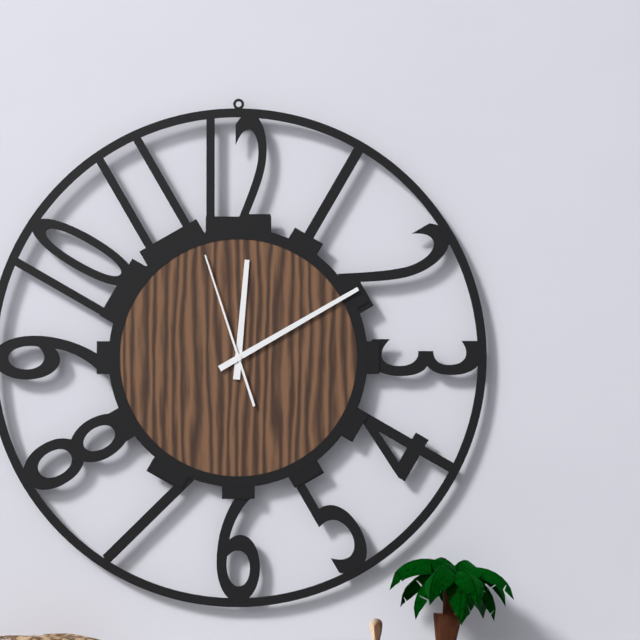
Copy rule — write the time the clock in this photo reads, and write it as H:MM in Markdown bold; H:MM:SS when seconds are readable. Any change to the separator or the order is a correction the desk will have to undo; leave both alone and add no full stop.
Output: **12:10:57**
